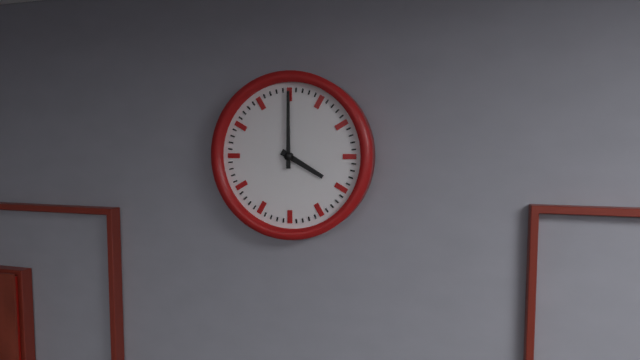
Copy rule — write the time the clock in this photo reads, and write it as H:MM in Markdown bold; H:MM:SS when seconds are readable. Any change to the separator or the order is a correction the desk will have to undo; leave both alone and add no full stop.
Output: **4:00**
